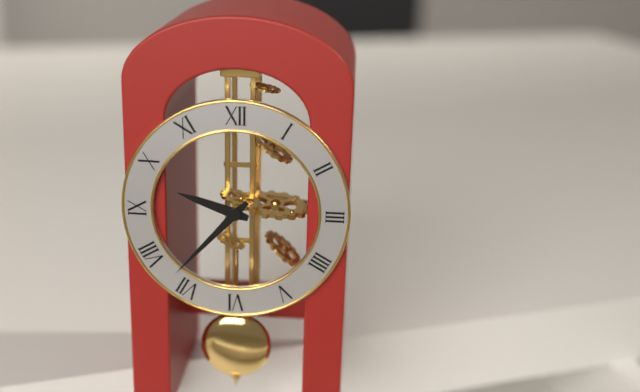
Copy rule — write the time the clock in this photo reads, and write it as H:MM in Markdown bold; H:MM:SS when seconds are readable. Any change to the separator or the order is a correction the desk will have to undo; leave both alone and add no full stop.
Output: **9:37**
